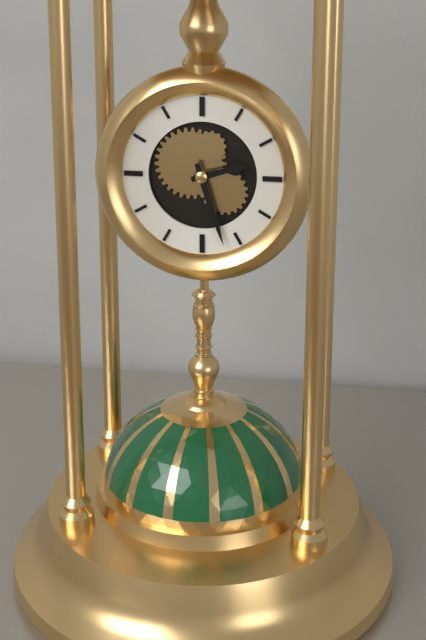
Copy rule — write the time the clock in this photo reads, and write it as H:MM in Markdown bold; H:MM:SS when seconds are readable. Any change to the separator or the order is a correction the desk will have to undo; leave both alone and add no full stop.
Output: **2:27**
